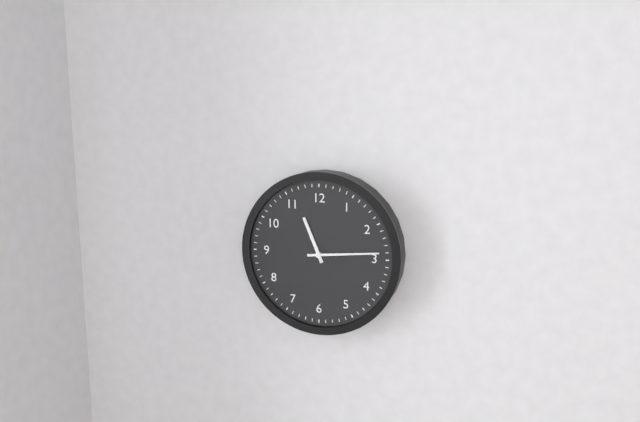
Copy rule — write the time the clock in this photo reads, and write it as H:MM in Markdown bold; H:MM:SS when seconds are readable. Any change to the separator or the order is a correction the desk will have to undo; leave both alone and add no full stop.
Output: **11:14**
